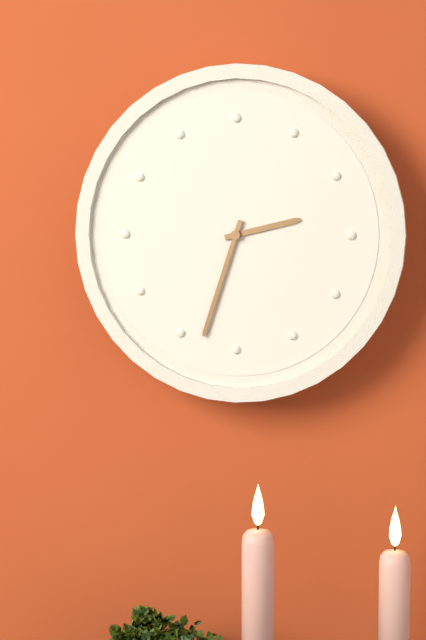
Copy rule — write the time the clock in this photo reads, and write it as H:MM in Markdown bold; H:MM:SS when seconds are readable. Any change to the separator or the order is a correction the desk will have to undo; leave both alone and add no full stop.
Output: **2:33**
